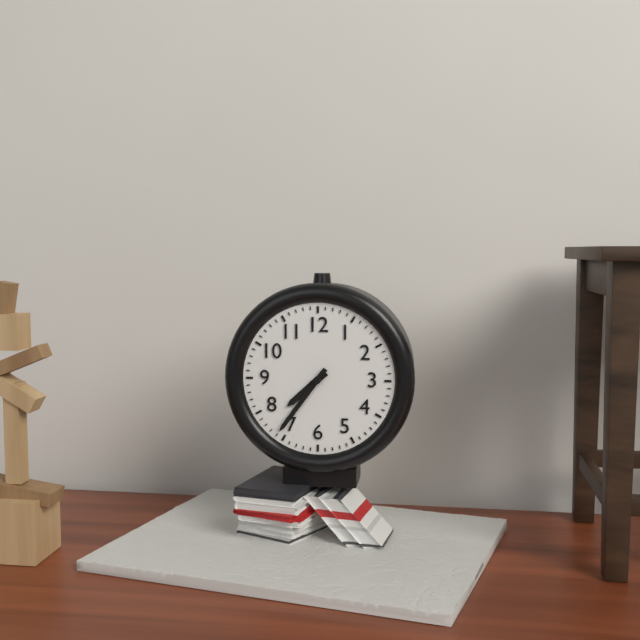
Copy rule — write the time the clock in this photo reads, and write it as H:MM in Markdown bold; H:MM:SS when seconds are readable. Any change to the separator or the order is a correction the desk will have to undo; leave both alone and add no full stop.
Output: **7:36**
